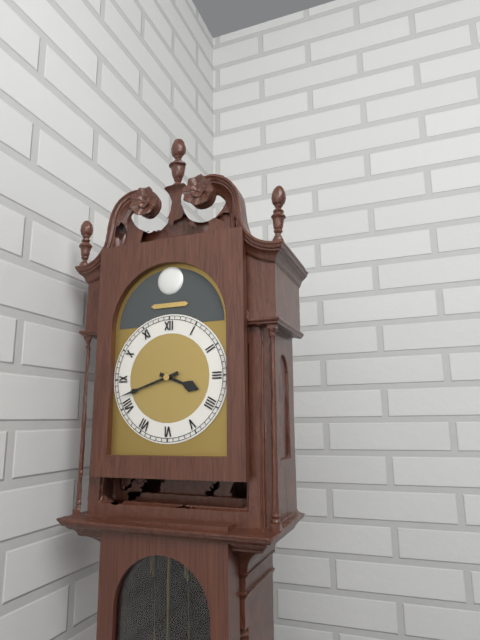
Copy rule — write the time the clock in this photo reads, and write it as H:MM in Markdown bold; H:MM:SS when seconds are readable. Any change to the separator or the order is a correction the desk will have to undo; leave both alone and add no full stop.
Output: **3:42**
